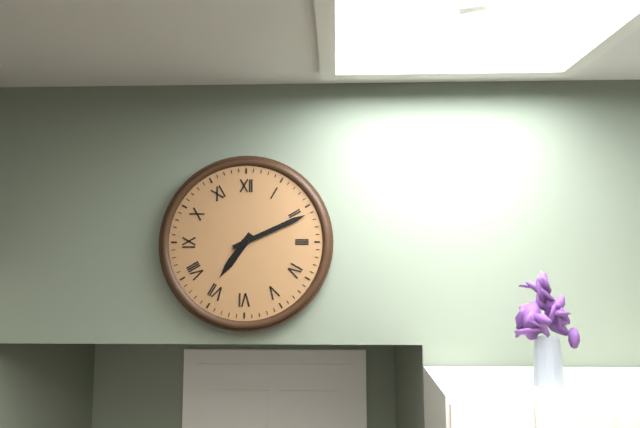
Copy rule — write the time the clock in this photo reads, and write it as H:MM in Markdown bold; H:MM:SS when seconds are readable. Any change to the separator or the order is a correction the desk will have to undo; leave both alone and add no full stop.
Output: **7:11**
